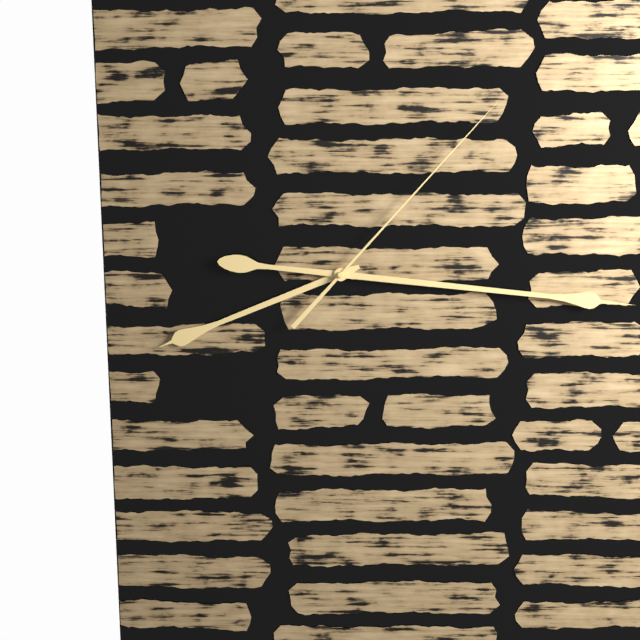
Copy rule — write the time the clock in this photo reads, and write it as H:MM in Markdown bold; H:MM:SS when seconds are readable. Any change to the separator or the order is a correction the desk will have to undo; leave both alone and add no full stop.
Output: **8:16:07**
